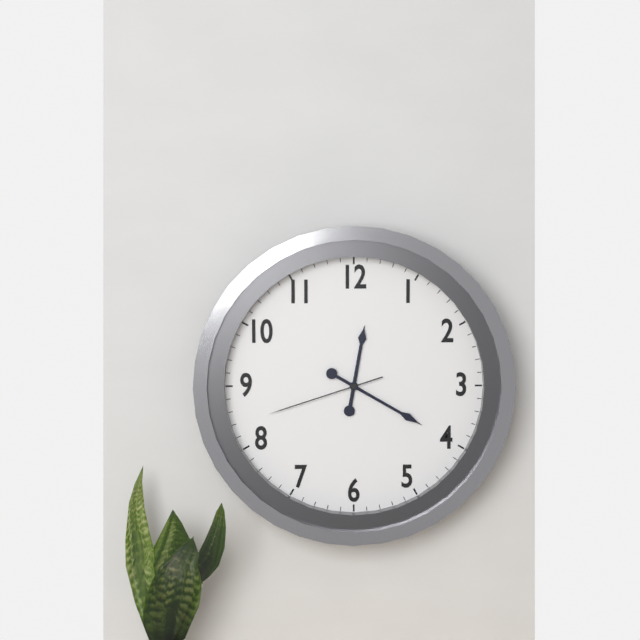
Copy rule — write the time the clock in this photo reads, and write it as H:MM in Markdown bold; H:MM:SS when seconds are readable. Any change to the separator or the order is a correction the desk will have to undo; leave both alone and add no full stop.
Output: **12:20:42**
